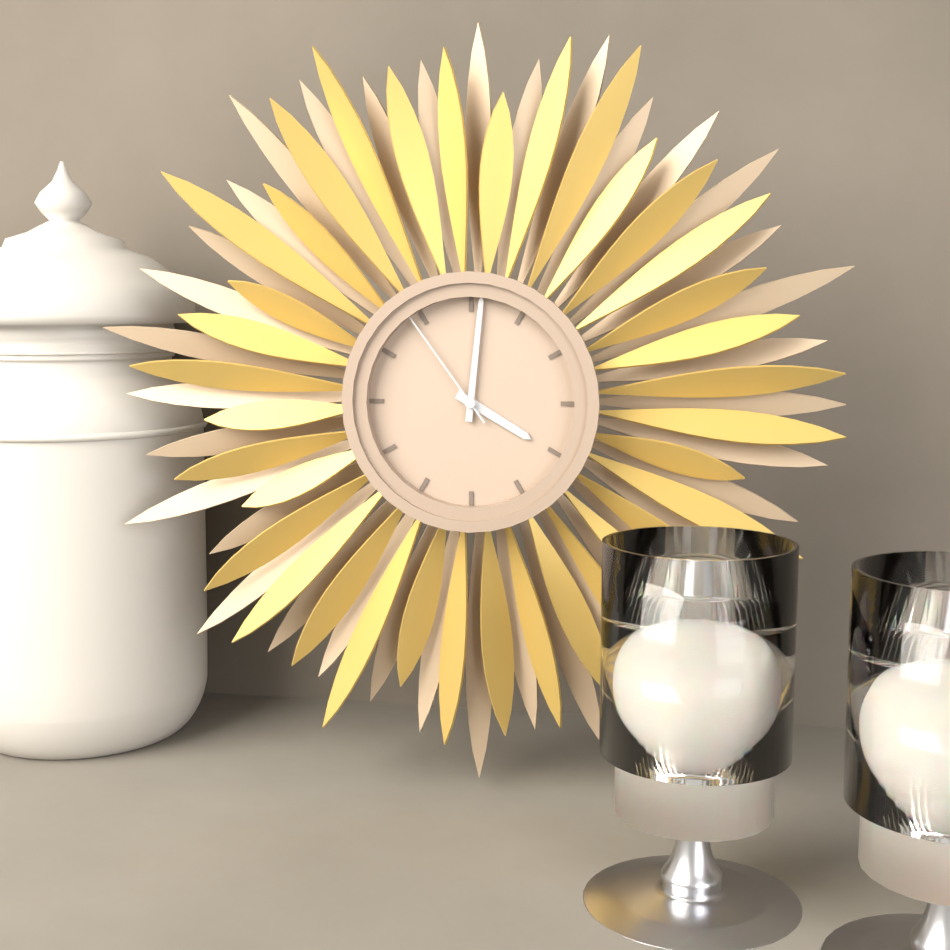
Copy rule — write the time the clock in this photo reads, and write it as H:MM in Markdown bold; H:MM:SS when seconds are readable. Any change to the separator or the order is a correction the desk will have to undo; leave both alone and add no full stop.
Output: **4:01:54**
